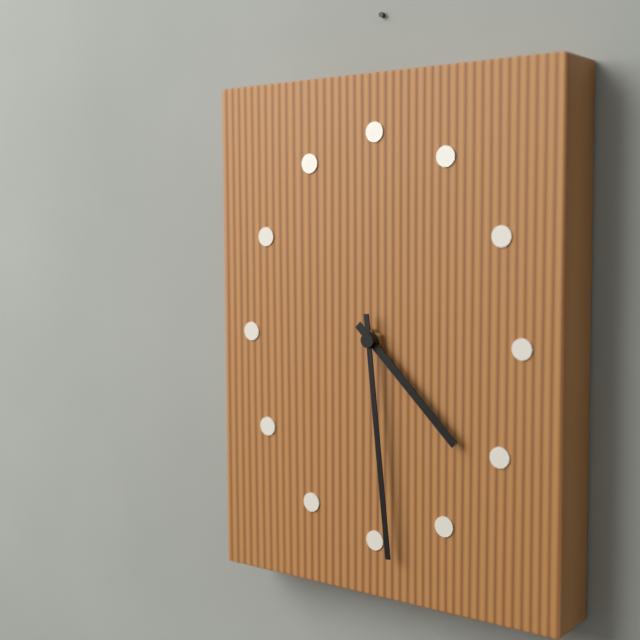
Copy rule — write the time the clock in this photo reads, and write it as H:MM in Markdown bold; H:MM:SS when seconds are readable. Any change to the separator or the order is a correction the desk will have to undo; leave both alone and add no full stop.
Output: **4:29**
